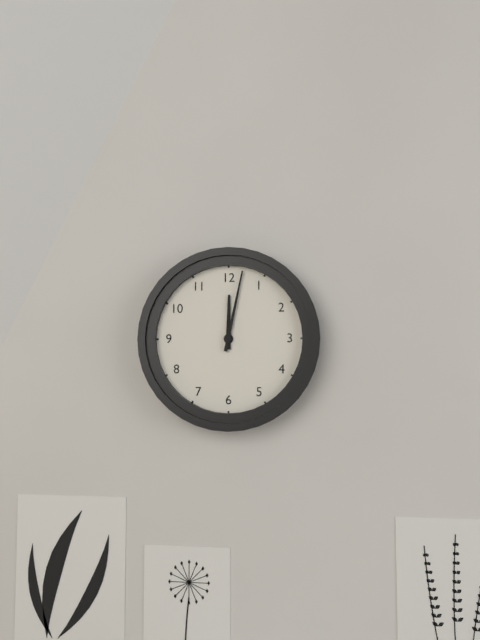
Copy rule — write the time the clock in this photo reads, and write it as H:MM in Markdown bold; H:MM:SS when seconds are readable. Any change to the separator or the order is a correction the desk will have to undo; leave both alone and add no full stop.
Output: **12:02**
